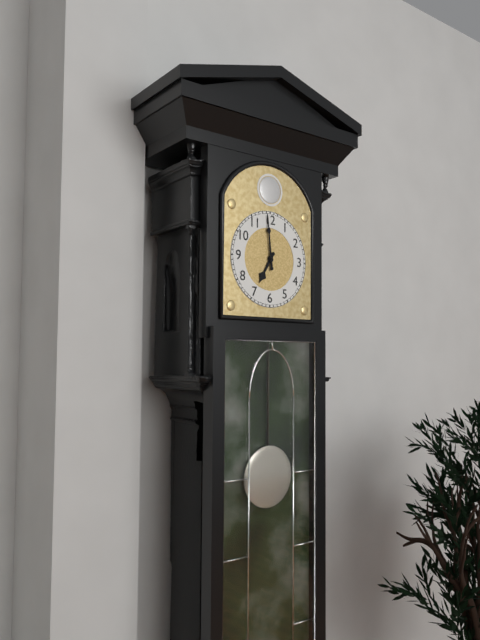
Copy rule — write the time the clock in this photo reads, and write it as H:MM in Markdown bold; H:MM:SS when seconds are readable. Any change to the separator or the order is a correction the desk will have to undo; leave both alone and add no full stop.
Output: **6:59**
